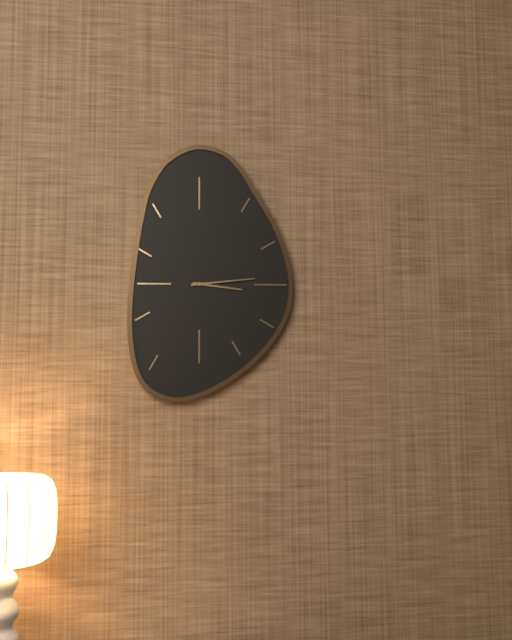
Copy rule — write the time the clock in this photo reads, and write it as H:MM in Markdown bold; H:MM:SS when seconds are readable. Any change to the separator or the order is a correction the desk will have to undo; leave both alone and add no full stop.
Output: **3:14**
